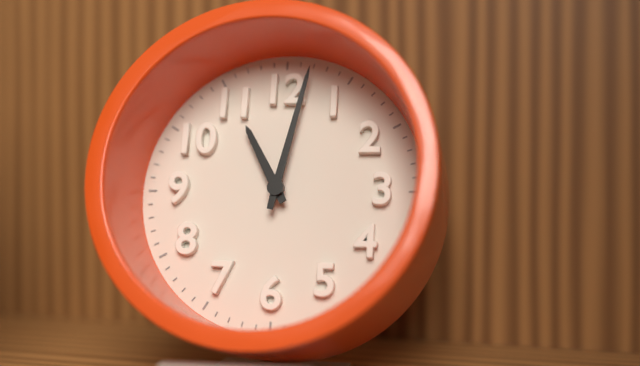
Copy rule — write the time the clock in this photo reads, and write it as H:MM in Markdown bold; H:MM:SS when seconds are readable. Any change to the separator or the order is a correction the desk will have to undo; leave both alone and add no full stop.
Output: **11:02**
